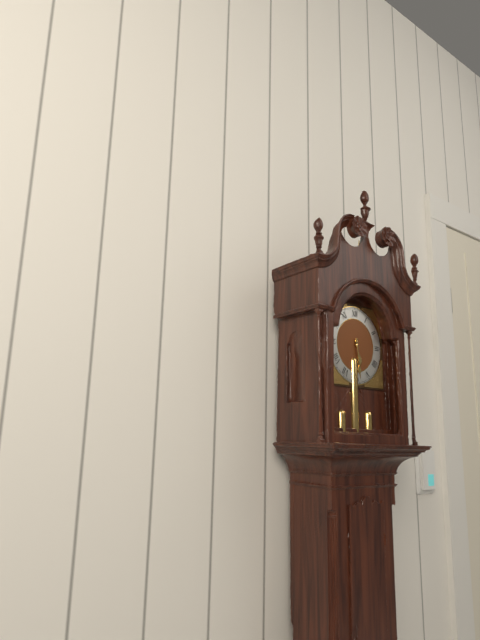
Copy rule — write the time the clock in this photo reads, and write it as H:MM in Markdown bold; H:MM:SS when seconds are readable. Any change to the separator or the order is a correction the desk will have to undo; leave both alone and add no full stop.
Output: **5:29**
